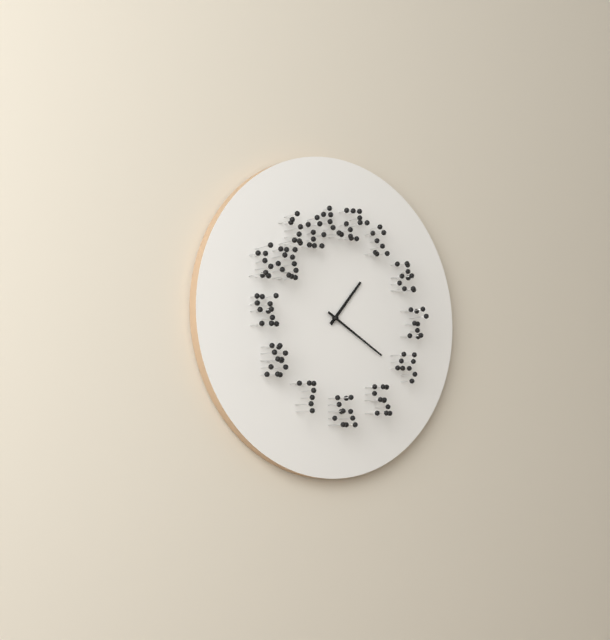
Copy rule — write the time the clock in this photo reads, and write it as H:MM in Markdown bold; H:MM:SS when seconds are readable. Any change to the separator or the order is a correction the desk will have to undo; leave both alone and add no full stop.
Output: **1:20**
